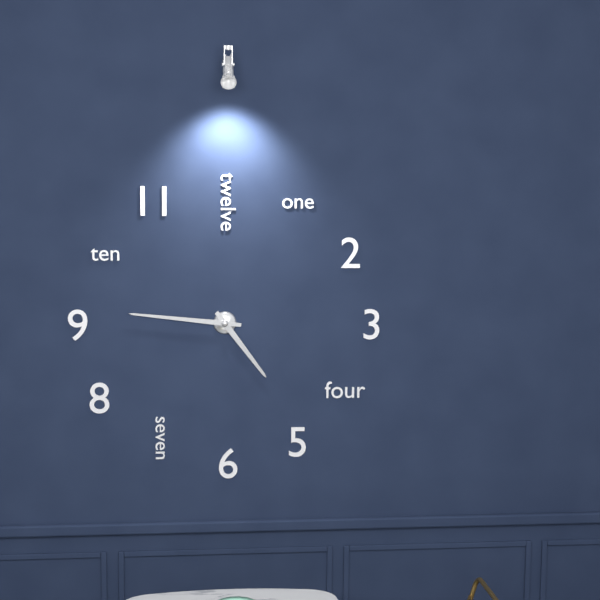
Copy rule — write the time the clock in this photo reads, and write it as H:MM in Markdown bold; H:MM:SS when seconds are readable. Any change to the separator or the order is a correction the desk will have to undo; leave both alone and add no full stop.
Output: **4:46**
